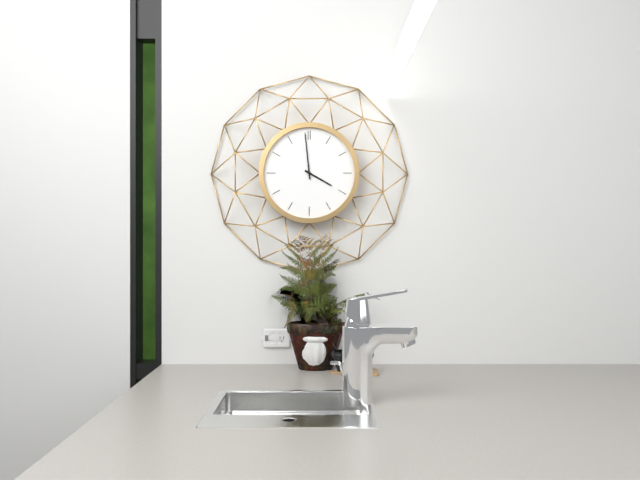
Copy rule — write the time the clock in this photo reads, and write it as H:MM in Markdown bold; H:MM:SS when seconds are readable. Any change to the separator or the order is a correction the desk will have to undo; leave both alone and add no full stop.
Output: **3:59**
